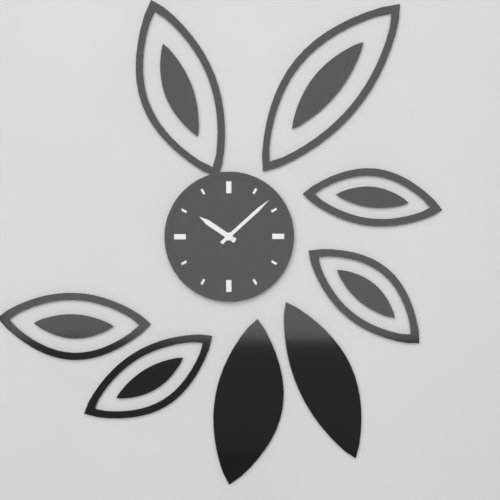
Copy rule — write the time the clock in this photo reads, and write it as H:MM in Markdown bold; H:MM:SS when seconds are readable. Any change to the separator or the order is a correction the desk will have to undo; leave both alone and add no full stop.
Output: **10:08**
